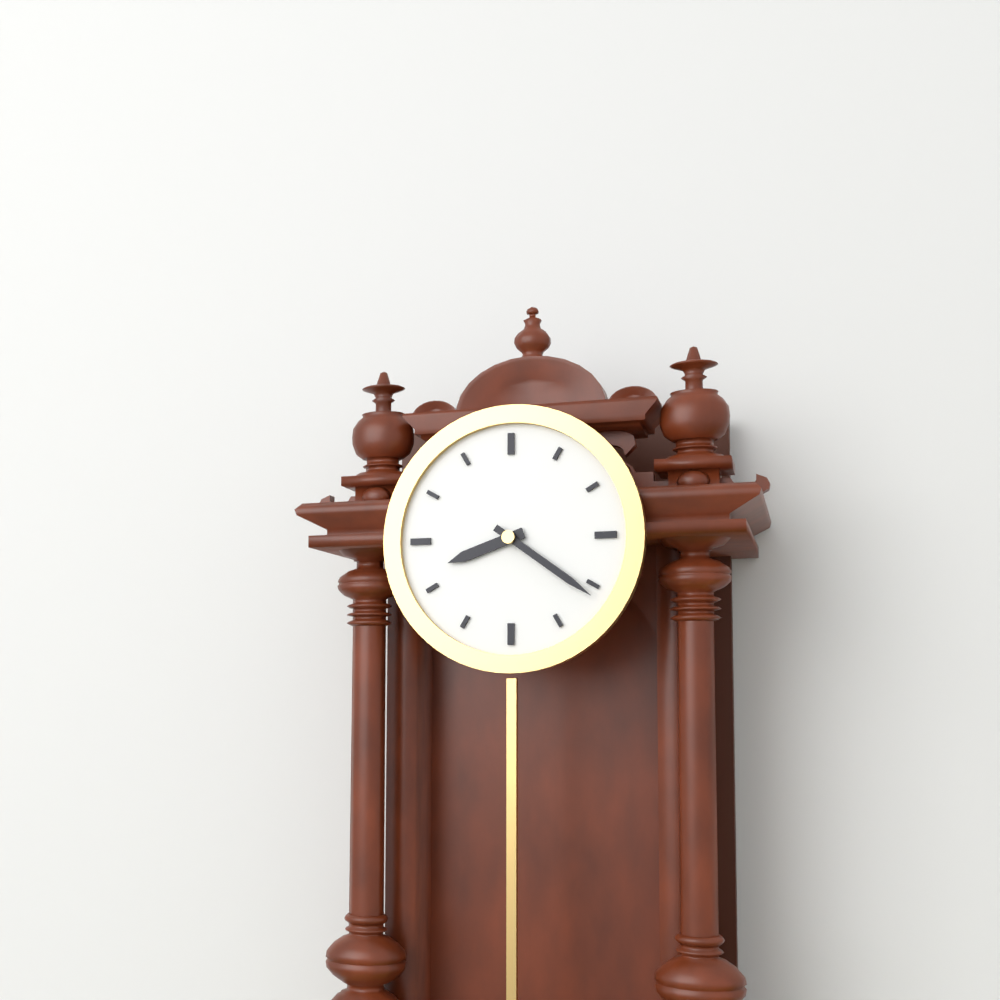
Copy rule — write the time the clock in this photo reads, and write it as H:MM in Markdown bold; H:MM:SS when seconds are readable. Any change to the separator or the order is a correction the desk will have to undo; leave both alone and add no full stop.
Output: **8:21**
